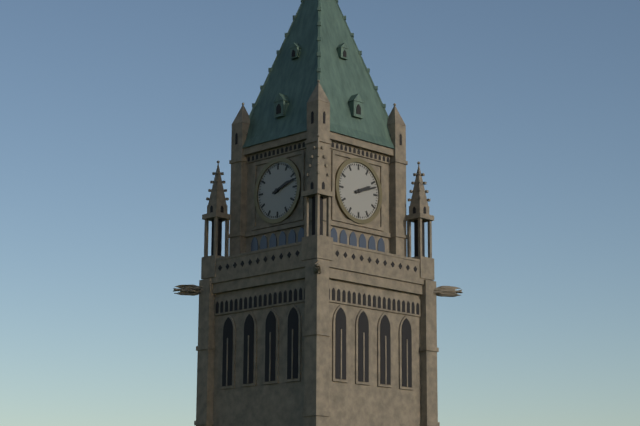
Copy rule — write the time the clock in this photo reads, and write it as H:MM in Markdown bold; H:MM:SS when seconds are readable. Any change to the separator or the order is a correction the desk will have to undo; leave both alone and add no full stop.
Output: **2:12**
